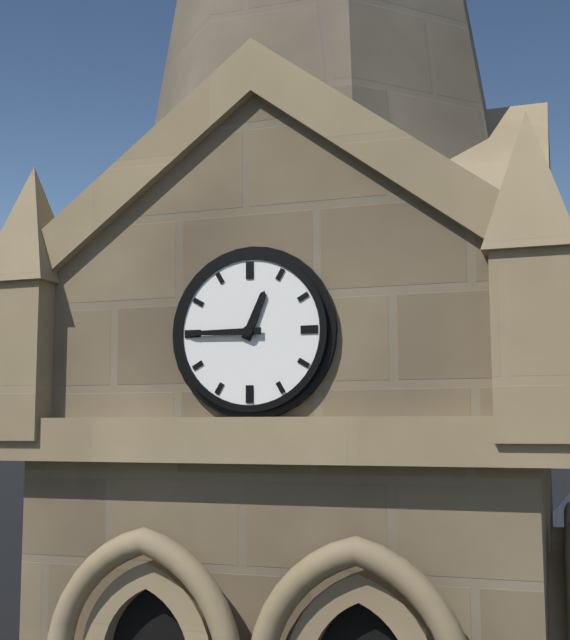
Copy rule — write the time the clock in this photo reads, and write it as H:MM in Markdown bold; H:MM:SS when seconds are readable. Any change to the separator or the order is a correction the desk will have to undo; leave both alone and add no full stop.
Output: **12:45**
